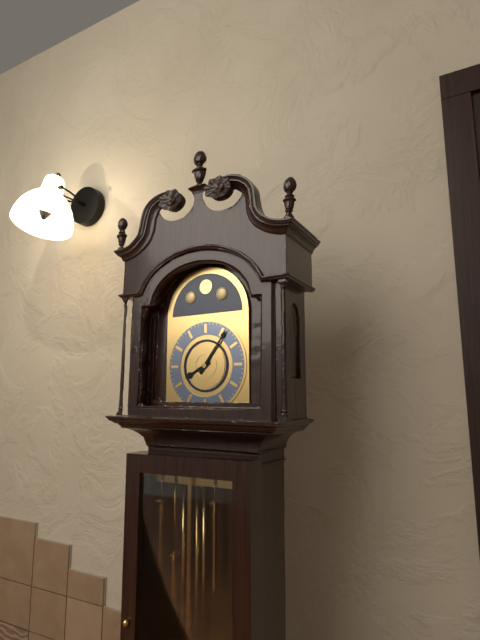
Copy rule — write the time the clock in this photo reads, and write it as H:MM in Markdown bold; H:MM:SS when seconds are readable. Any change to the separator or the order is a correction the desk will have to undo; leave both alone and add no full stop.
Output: **8:06**
